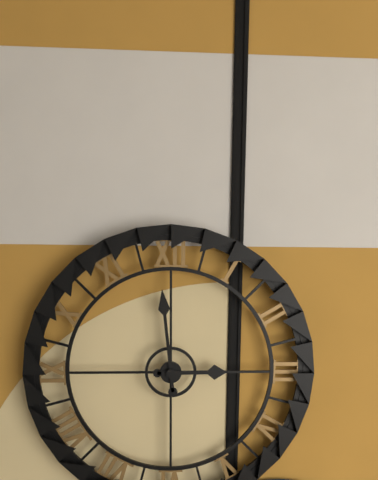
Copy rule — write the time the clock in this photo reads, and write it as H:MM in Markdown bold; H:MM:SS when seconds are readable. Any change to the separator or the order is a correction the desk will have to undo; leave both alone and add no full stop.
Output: **2:59**
